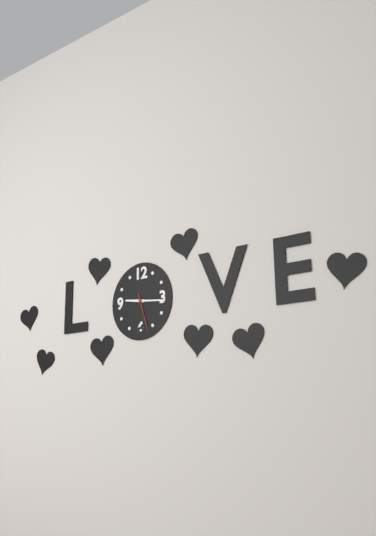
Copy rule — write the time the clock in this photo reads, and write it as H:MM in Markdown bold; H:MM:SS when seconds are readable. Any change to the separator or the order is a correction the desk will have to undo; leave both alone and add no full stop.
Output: **9:16**
